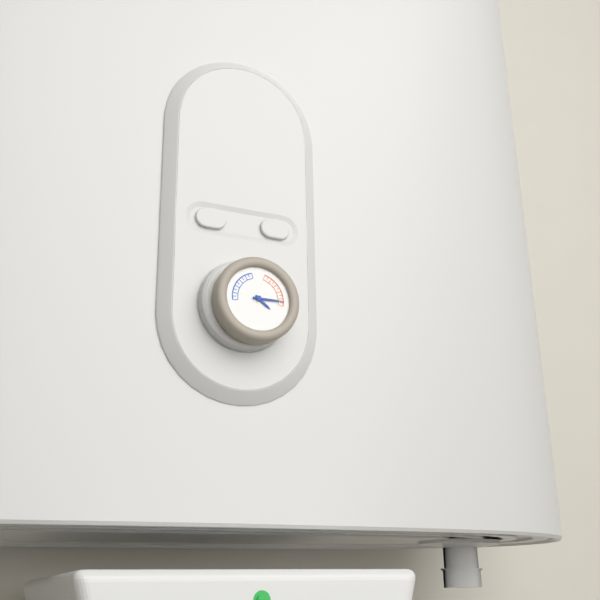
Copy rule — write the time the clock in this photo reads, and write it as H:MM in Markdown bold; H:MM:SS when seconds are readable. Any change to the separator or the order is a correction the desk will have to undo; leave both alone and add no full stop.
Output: **4:15**
